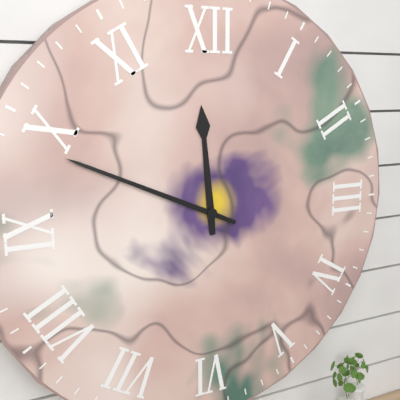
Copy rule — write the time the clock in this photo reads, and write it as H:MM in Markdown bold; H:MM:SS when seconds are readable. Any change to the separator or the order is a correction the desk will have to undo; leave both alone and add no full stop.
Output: **11:49**
